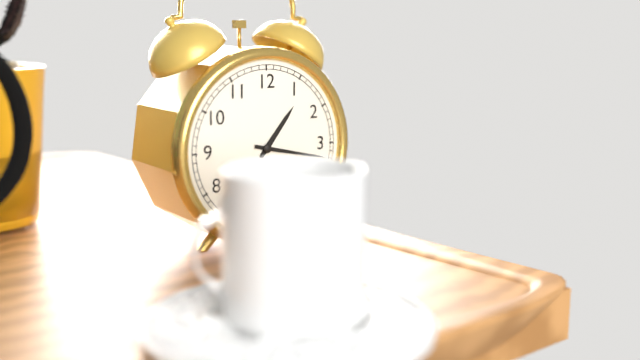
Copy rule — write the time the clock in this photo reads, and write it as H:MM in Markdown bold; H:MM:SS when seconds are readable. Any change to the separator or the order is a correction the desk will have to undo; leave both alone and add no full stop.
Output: **1:17**
